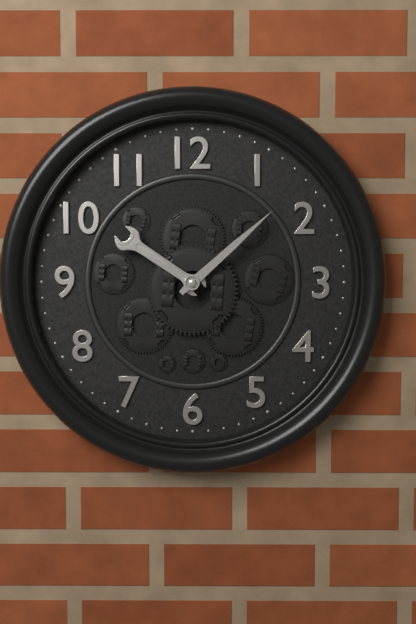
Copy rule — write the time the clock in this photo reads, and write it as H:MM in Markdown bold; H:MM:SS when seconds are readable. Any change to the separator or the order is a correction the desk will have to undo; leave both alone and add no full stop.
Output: **10:08**
